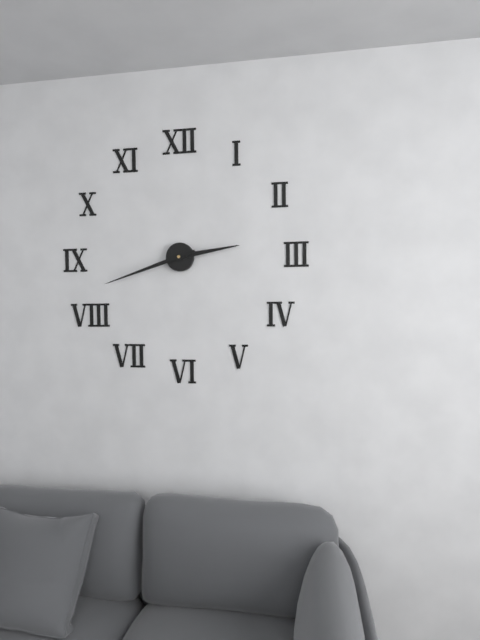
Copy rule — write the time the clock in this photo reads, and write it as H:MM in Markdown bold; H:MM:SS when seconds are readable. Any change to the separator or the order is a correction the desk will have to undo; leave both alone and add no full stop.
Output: **2:42**
